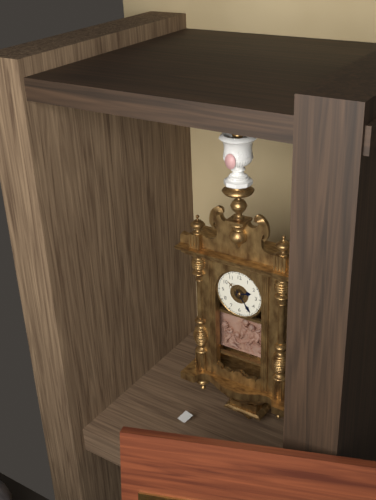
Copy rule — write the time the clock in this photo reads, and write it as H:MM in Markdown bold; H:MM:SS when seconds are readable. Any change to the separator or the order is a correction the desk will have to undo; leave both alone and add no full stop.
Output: **2:24**
